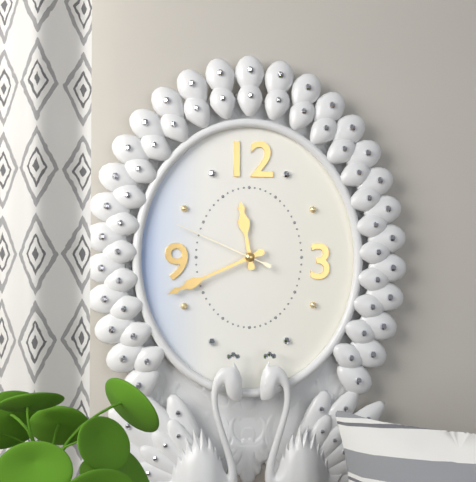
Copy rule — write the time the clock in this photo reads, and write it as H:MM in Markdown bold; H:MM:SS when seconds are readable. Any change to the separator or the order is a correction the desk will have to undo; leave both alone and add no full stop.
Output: **11:41:49**
